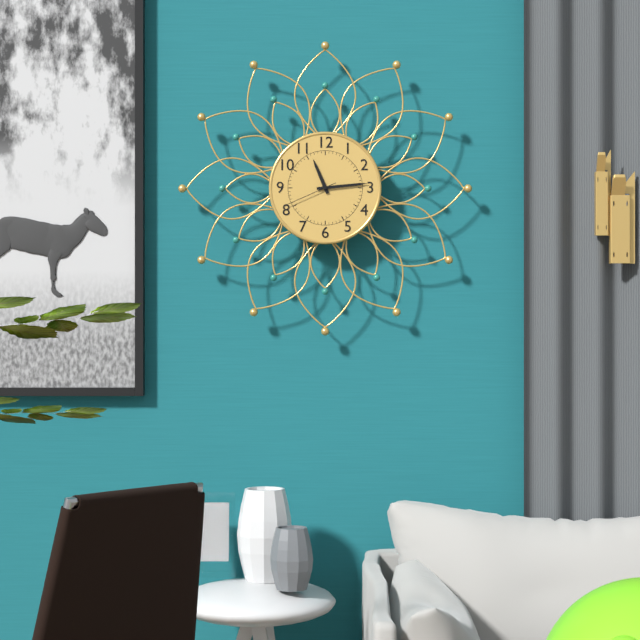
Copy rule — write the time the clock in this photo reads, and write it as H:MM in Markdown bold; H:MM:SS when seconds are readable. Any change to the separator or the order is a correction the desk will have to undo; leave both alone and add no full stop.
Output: **11:14:41**
